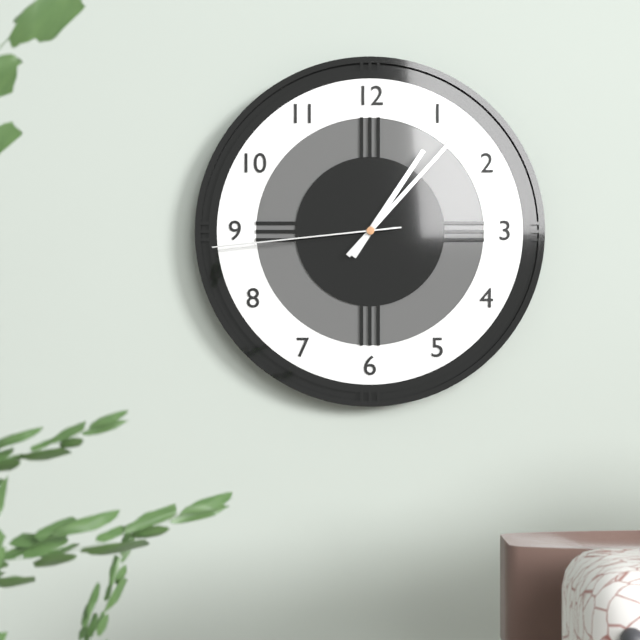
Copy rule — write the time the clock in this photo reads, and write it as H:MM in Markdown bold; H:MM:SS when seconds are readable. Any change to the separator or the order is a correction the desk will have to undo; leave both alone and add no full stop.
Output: **1:07:44**
